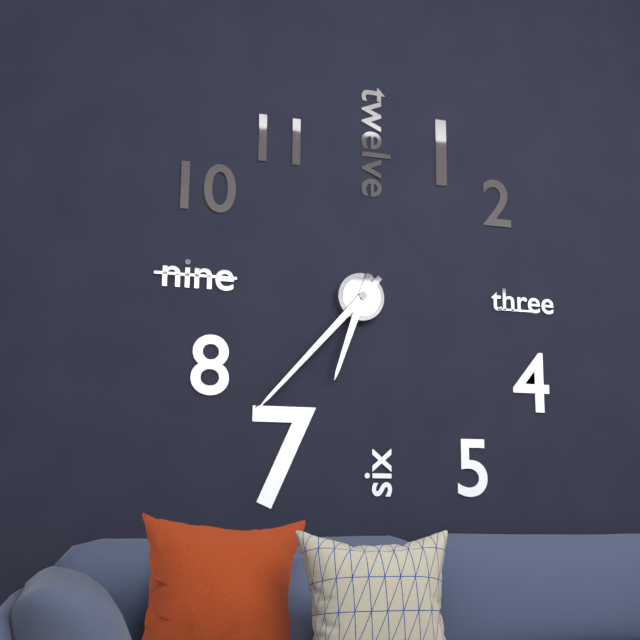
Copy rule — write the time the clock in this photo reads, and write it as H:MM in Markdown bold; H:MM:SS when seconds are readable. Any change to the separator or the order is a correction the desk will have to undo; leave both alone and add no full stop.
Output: **6:37**
